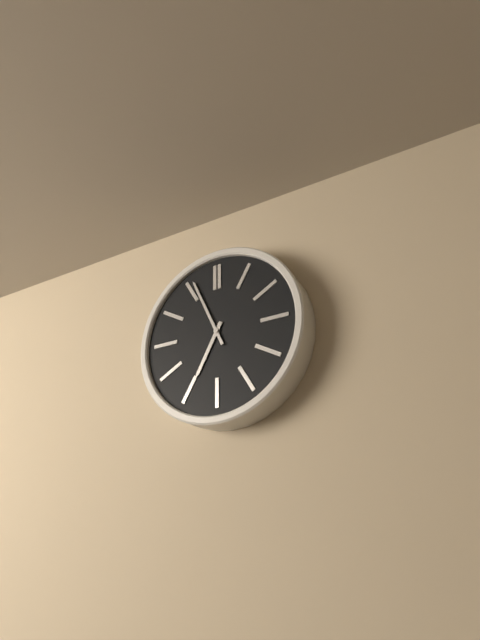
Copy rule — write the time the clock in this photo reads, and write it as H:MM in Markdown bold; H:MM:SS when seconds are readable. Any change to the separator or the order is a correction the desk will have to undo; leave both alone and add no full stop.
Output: **6:56**
